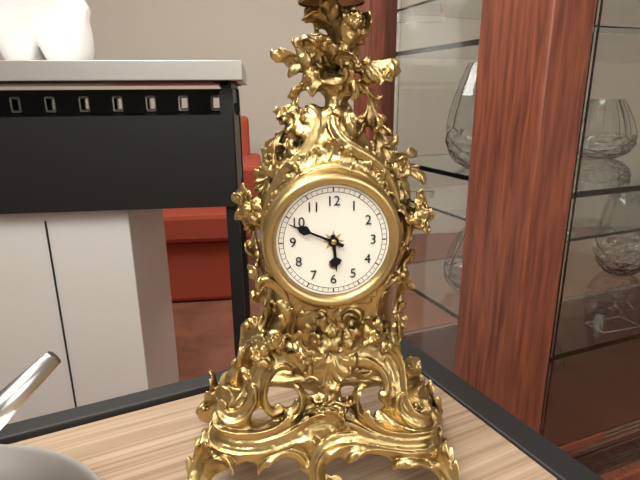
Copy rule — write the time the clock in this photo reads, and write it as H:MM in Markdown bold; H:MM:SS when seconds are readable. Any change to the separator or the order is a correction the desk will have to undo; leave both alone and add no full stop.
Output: **5:49**
